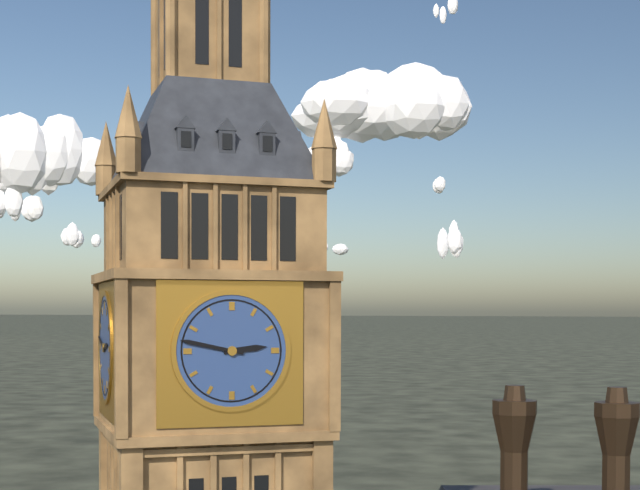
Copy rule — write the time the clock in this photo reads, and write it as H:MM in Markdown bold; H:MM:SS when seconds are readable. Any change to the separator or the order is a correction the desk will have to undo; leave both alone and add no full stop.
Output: **2:47**
